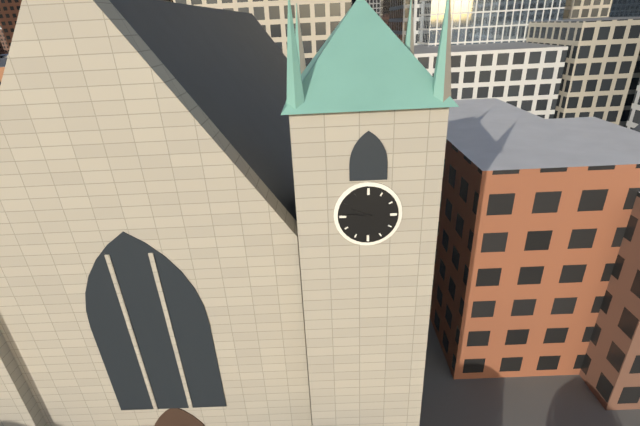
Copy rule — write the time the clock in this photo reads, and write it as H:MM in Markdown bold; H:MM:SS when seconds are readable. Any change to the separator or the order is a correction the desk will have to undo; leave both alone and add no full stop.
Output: **9:46**
